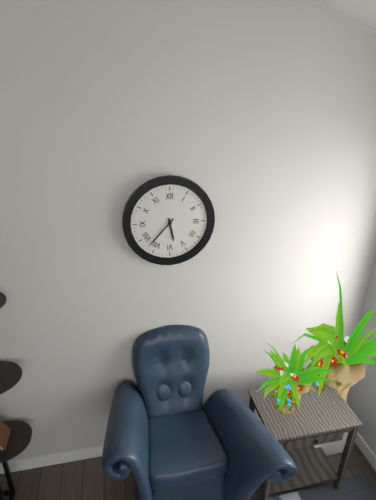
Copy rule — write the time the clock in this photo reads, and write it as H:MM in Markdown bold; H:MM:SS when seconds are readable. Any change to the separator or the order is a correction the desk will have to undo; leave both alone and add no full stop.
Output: **5:37**
